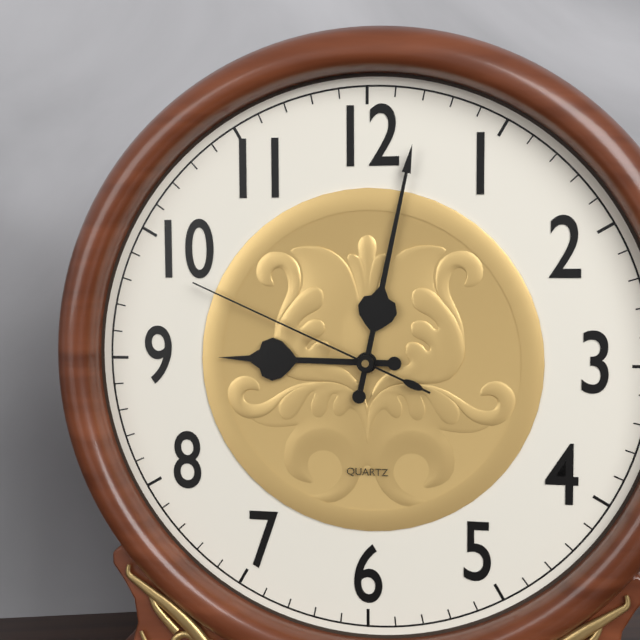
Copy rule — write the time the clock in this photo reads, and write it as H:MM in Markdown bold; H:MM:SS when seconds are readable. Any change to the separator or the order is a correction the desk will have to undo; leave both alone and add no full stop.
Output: **9:02:49**
